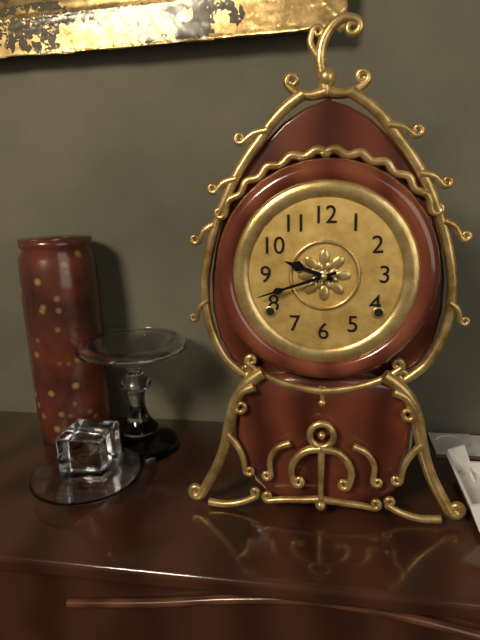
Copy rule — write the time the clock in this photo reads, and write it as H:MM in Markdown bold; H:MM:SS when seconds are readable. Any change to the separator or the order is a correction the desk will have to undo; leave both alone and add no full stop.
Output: **9:42**
